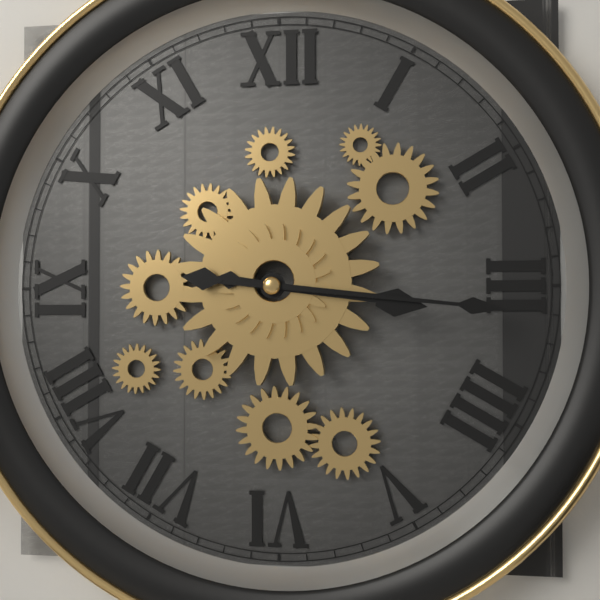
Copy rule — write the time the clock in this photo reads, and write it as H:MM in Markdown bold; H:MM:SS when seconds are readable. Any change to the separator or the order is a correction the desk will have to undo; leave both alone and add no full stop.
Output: **3:16**
